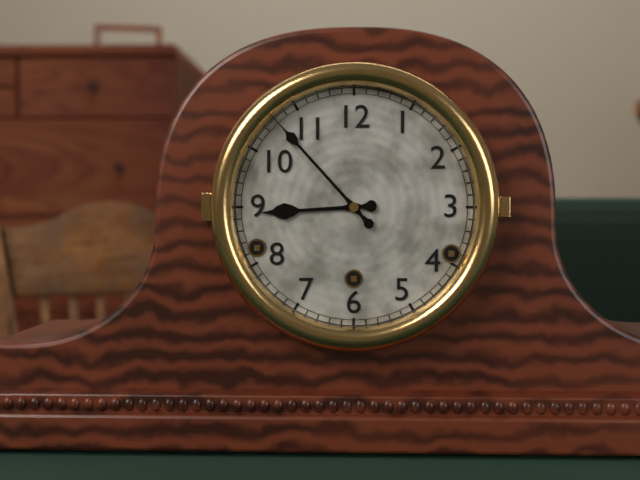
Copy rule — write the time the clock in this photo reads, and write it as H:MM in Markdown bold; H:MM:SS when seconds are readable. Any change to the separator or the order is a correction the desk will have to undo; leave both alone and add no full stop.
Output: **8:53**
